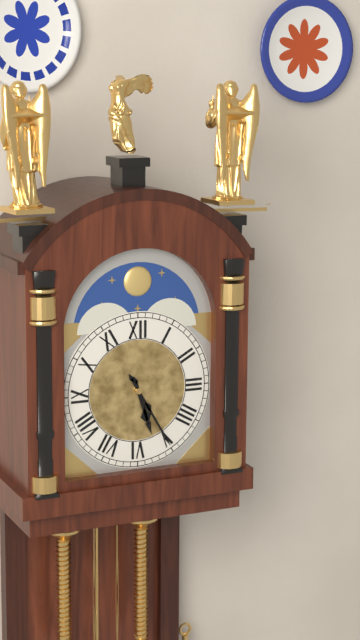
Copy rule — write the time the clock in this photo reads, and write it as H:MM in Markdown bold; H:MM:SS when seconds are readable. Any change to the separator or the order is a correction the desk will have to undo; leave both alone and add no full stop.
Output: **5:25**
